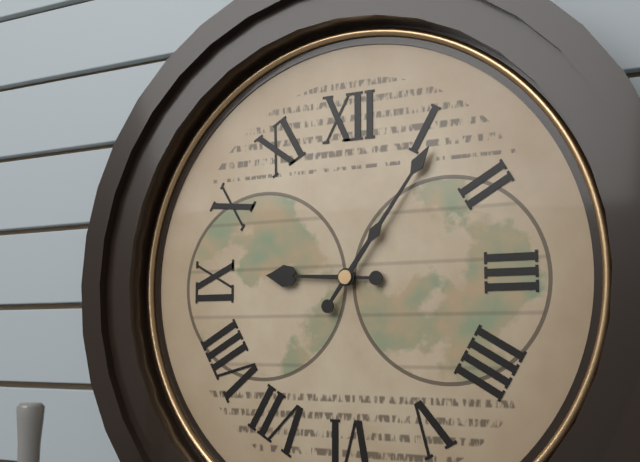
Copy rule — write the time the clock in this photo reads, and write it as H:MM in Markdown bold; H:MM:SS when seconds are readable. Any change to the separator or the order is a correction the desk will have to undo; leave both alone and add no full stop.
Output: **9:06**
